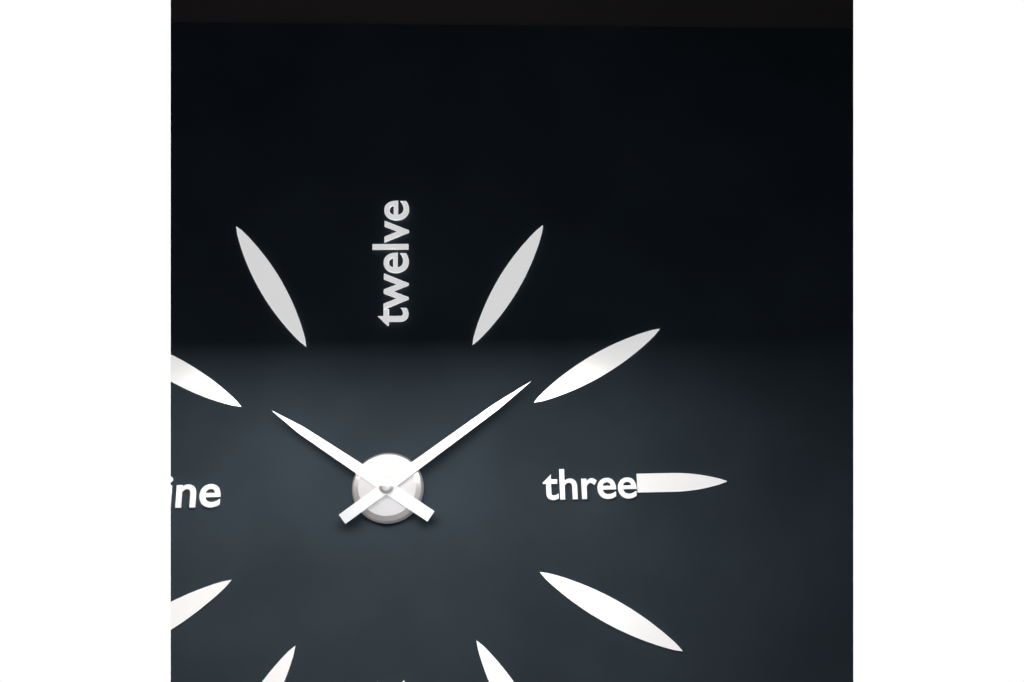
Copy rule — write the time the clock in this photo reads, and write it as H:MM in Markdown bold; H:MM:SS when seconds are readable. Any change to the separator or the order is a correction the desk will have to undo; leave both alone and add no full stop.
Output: **10:09**
